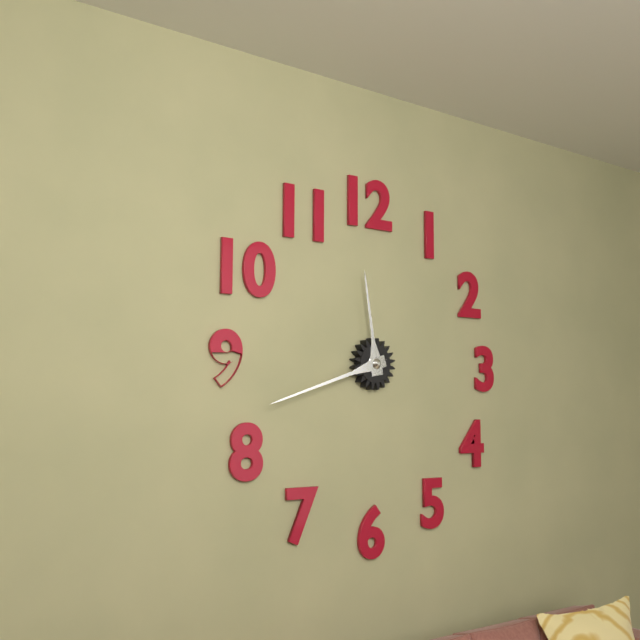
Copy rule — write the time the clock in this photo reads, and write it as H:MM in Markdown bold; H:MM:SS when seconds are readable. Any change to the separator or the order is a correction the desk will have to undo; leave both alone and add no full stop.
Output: **11:42**
